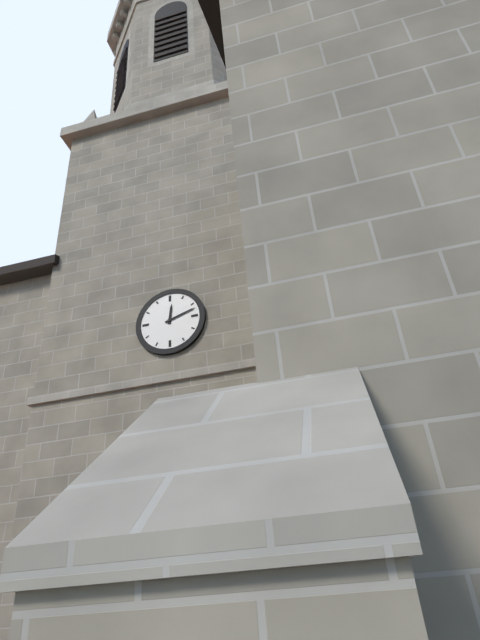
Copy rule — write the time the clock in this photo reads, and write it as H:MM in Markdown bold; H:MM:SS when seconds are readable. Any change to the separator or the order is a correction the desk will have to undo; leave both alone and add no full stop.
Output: **12:12**
